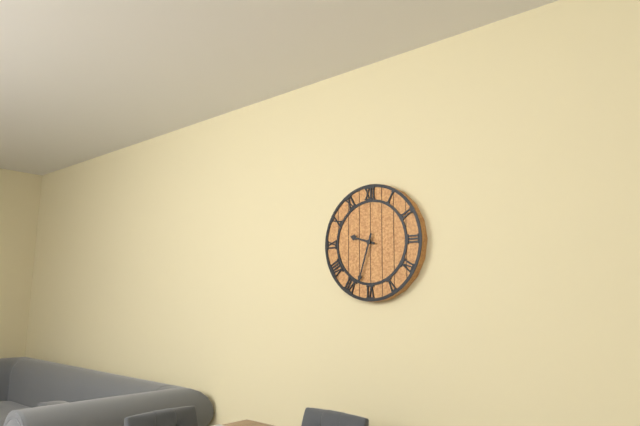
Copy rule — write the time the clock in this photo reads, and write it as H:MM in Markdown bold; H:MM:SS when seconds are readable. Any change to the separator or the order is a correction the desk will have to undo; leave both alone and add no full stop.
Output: **9:33**
